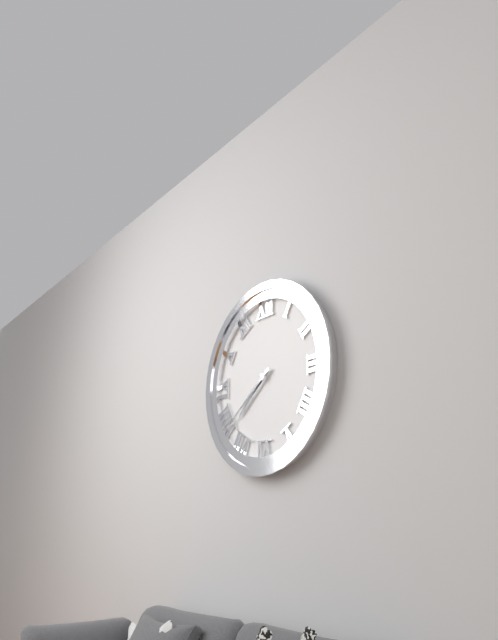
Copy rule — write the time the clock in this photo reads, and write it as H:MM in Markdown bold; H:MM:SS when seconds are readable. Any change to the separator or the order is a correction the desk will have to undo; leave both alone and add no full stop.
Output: **7:39**
